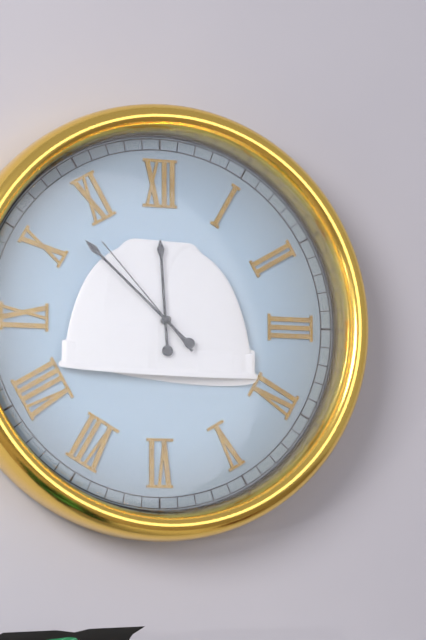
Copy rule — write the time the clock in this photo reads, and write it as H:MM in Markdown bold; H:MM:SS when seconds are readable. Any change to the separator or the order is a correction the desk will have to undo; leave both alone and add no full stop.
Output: **11:52:53**
